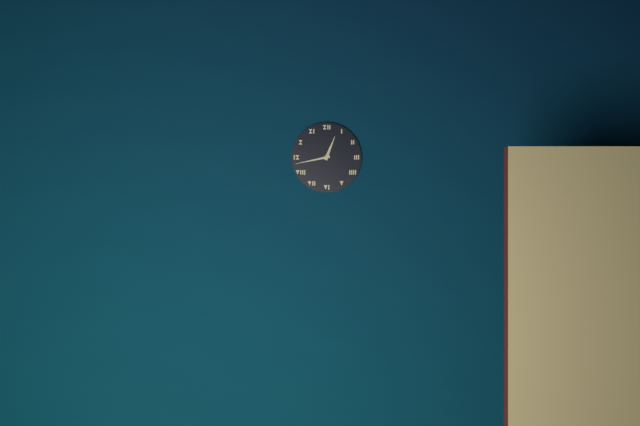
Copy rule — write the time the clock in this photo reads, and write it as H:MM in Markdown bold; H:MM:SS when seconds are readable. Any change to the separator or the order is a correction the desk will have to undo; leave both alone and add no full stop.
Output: **12:43**
